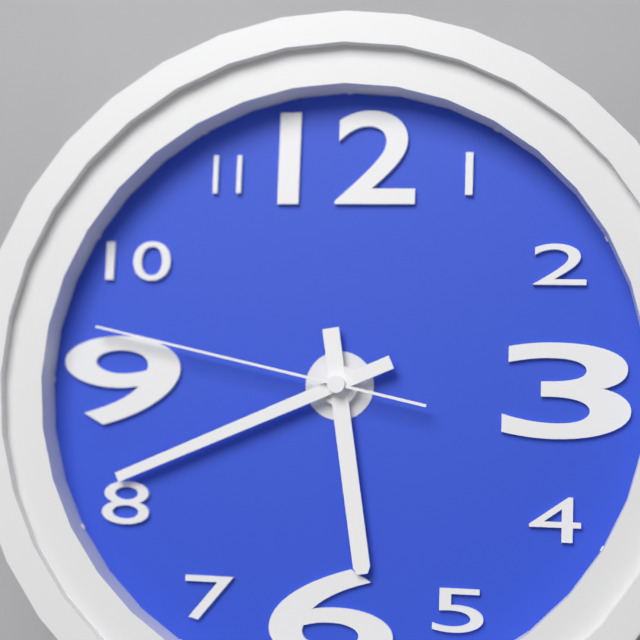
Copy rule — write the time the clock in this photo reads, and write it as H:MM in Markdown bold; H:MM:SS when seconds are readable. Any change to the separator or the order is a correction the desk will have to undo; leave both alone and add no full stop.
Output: **5:41:47**
